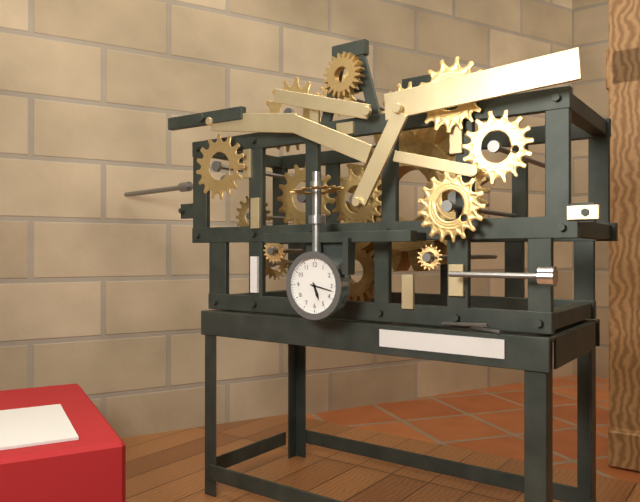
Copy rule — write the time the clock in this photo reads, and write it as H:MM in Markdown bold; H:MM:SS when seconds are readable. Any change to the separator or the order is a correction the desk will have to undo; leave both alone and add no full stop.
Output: **5:17**
